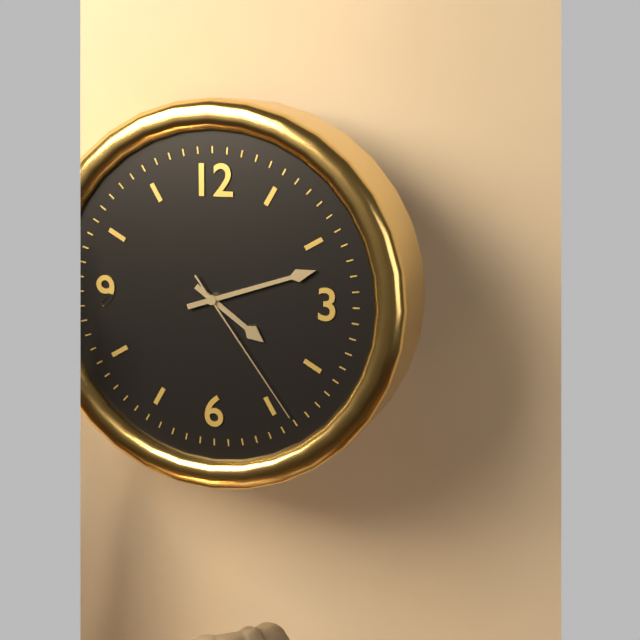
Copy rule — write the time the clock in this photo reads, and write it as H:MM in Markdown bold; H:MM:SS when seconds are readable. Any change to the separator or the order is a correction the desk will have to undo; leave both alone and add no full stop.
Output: **4:12:24**
